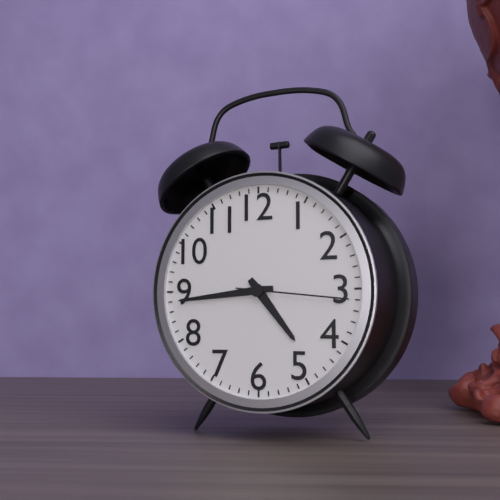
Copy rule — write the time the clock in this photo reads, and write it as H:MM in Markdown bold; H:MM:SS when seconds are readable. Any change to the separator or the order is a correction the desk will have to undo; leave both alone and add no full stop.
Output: **4:44:16**
